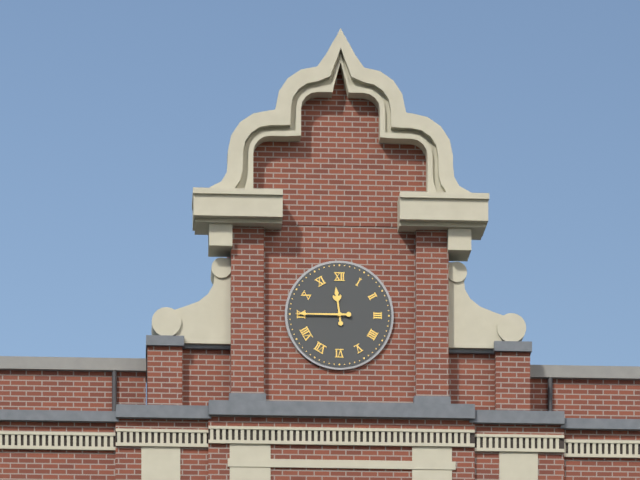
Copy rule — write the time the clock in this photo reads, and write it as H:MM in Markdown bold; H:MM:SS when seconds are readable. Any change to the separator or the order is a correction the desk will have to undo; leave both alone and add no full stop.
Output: **11:45**
